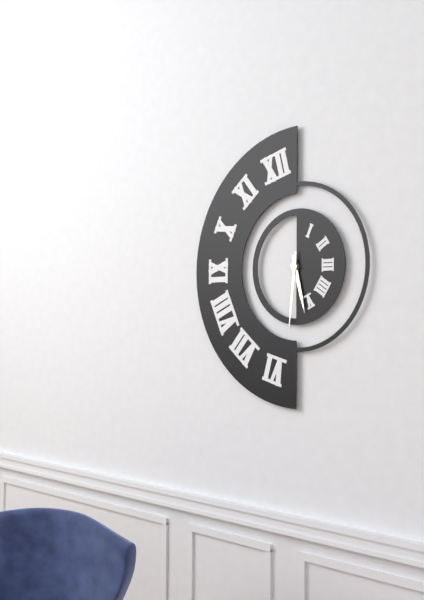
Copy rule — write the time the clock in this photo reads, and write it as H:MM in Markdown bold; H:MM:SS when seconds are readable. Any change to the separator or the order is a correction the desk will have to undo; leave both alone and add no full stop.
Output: **5:31**
